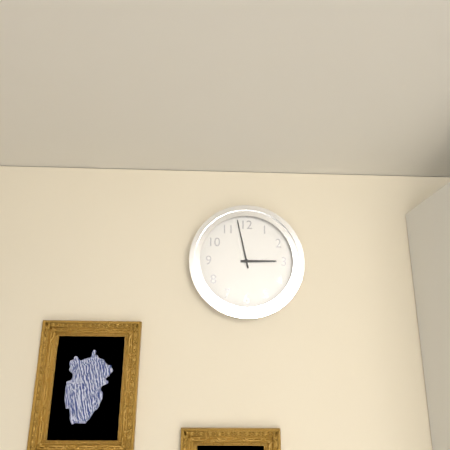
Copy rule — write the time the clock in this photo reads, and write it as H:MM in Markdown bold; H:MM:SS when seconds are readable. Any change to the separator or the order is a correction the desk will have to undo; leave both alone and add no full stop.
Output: **2:58**
